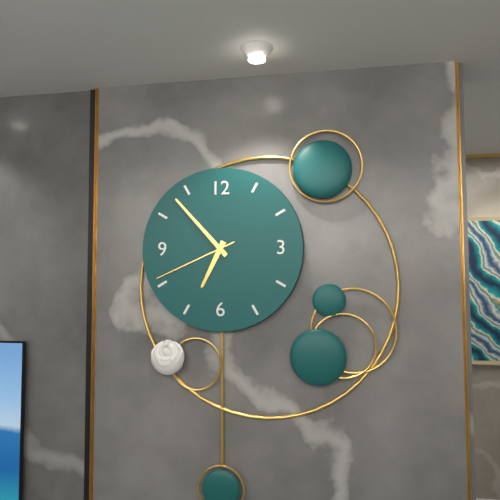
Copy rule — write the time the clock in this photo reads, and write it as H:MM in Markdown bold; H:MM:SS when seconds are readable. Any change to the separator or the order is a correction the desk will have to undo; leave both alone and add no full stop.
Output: **6:53:41**
